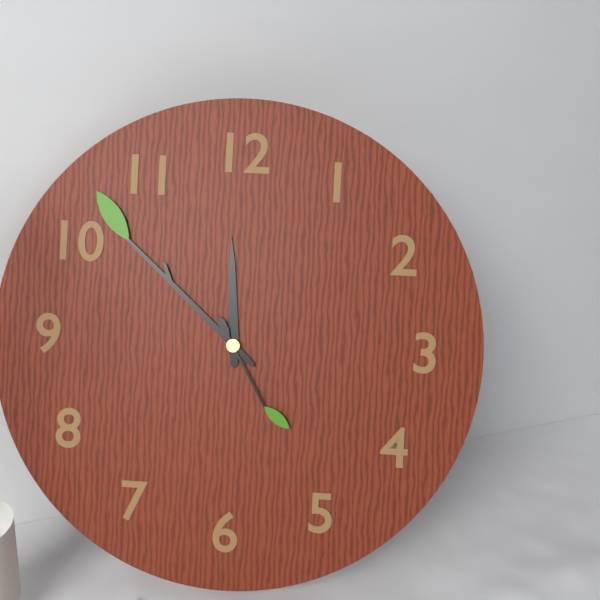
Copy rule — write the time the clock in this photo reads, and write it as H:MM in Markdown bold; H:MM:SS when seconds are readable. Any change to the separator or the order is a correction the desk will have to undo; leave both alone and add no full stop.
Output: **11:52:25**
